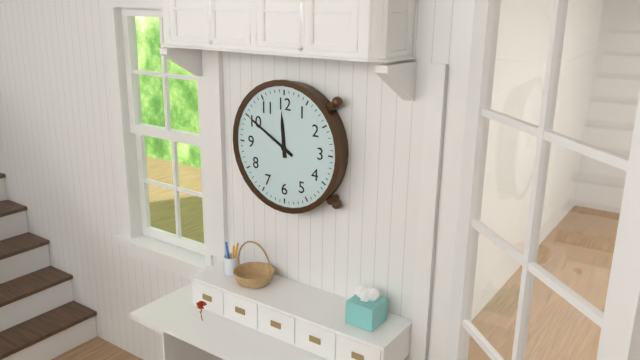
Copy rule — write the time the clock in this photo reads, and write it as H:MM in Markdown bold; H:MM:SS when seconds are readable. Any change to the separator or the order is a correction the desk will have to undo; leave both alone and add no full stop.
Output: **11:50**
